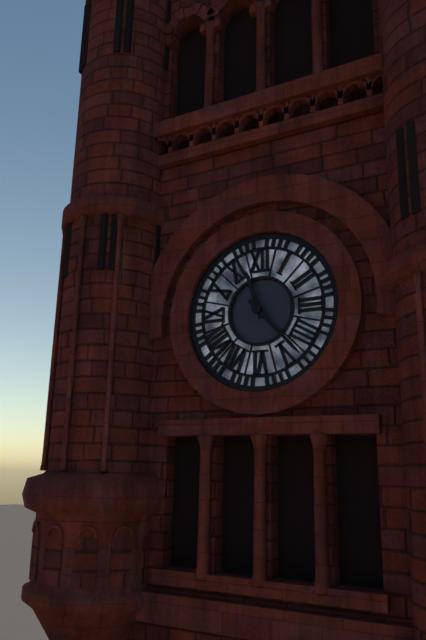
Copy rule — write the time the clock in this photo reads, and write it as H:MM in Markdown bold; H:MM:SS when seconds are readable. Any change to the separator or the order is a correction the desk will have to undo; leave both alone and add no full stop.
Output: **11:23**
